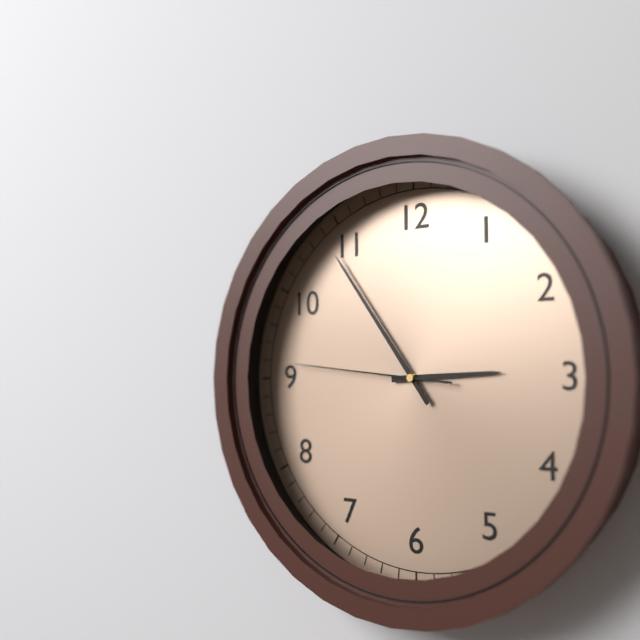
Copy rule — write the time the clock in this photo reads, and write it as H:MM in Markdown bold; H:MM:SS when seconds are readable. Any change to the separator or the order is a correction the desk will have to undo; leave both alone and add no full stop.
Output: **2:54:46**
